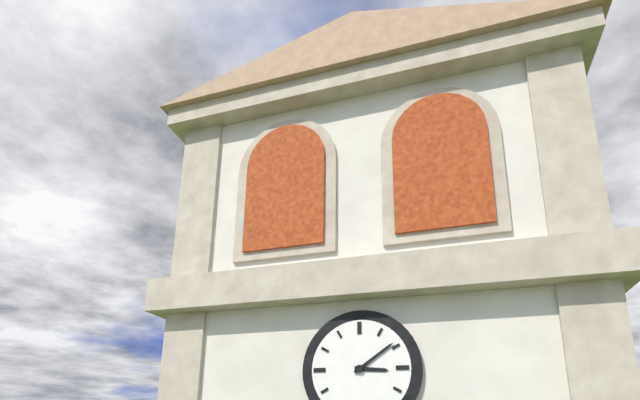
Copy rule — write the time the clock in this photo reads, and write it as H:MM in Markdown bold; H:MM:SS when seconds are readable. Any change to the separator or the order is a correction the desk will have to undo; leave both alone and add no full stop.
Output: **3:09**
